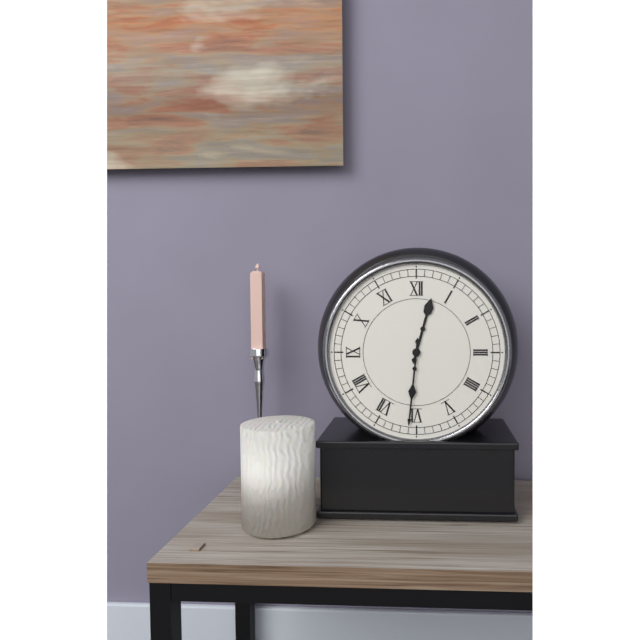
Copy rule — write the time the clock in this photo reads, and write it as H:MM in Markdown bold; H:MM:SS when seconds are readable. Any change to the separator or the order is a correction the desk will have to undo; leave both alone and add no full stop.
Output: **12:31**
